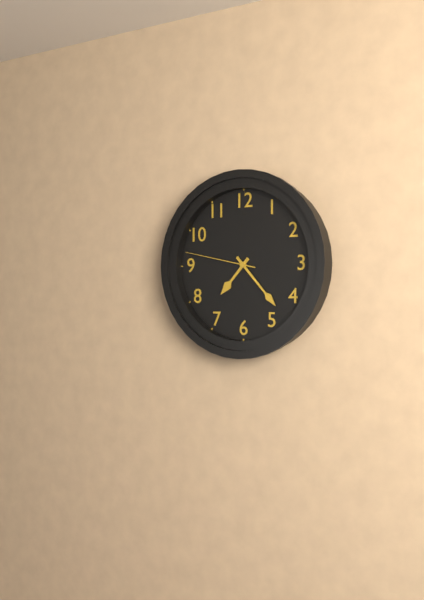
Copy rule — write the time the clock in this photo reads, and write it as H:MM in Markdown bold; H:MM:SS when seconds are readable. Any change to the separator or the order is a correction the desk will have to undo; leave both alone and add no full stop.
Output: **7:23:47**
